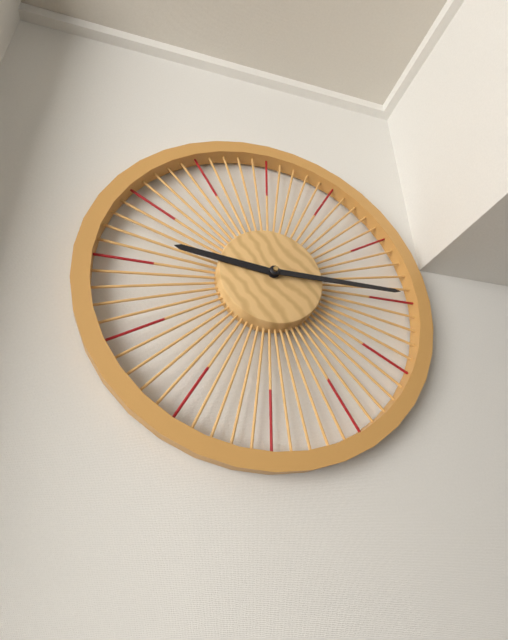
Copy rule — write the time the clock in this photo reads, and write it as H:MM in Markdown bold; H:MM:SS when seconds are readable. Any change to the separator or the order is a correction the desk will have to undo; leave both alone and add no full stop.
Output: **9:15**
